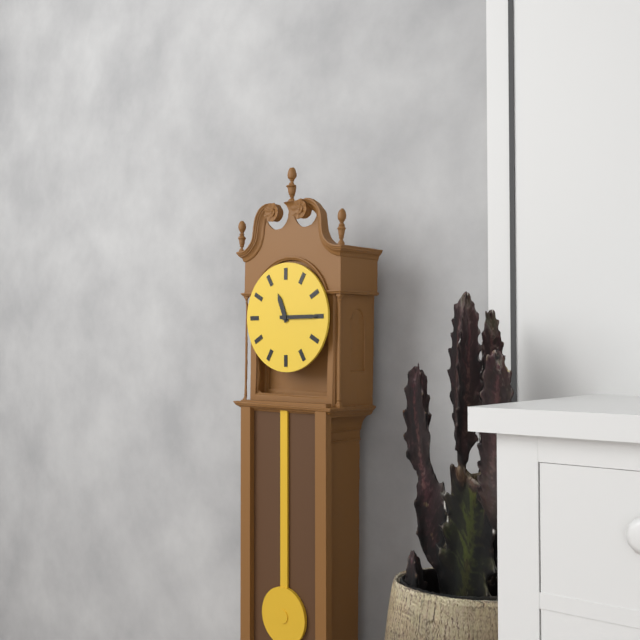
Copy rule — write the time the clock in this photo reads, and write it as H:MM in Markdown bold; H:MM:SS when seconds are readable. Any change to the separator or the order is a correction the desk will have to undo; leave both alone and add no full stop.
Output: **11:15**
